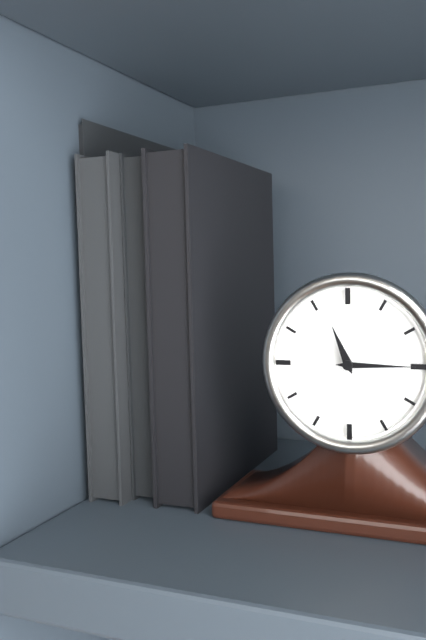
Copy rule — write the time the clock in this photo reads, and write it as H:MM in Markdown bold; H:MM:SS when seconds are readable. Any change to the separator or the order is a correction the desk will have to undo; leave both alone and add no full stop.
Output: **11:15**
